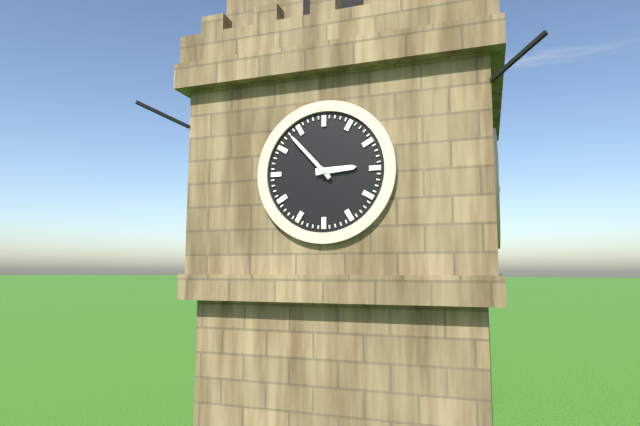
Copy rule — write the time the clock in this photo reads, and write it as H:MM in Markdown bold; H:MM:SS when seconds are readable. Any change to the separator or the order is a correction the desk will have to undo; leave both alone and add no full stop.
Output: **2:53**
